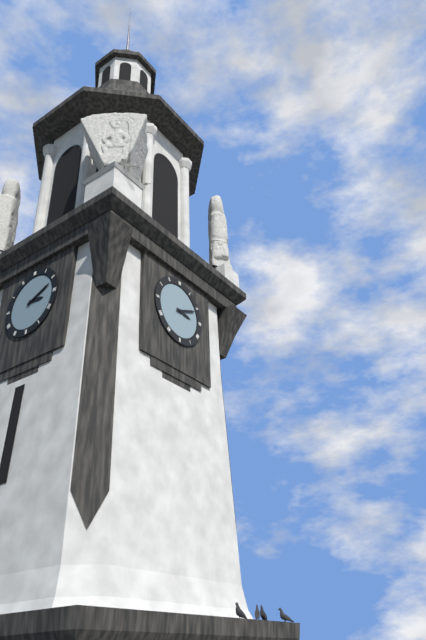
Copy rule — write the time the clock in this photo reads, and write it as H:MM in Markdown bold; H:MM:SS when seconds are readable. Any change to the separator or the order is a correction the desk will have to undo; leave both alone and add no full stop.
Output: **3:11**
